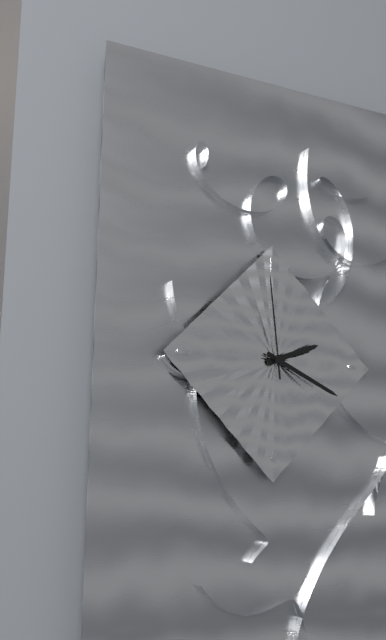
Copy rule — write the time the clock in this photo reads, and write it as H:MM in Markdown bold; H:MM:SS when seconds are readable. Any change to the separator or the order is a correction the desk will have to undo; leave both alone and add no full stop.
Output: **2:19:59**
